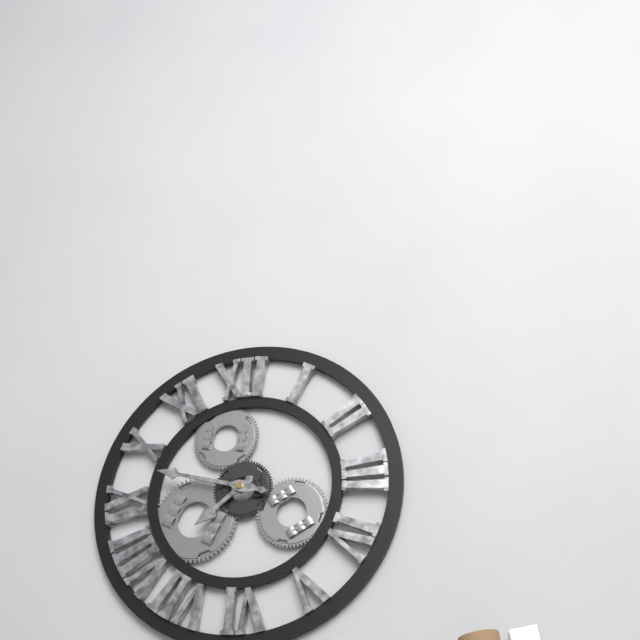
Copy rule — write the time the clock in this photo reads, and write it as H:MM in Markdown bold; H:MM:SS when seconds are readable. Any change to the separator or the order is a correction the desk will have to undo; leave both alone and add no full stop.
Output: **7:48**
